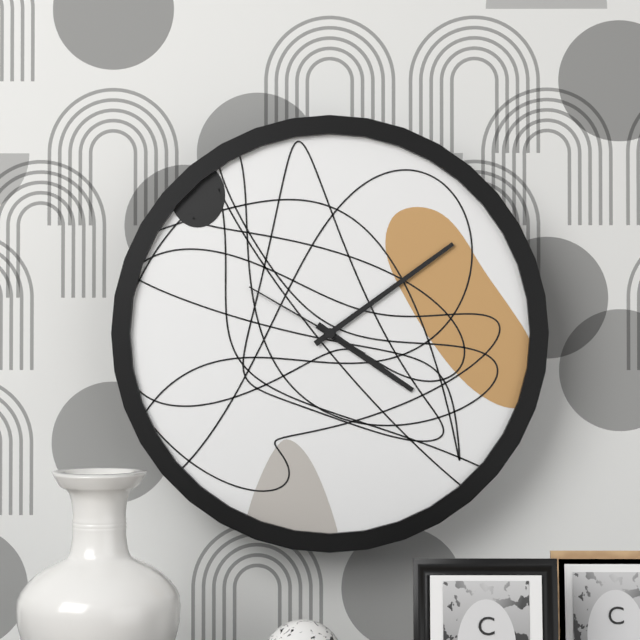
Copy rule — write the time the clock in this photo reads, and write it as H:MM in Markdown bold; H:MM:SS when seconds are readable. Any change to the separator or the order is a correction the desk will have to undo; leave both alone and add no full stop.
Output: **4:09:50**
